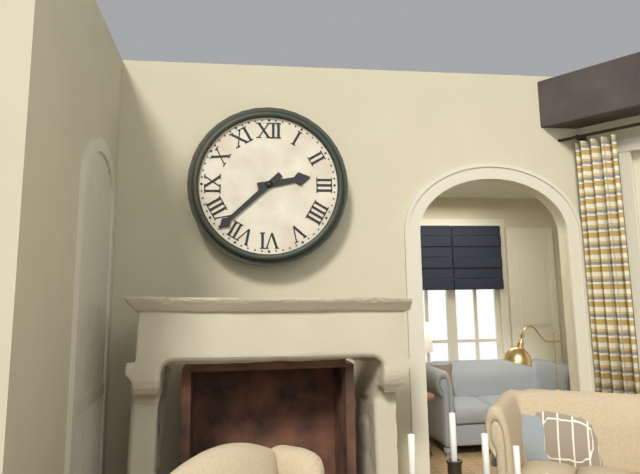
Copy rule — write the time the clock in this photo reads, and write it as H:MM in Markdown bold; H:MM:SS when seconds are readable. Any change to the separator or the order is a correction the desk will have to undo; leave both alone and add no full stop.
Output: **2:38**
